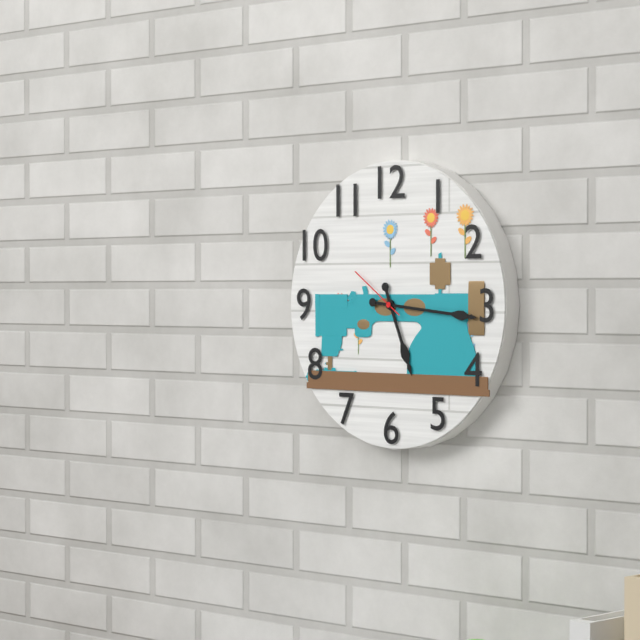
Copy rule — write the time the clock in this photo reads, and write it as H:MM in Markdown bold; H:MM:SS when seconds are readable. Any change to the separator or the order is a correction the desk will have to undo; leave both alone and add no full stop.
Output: **5:16:51**
